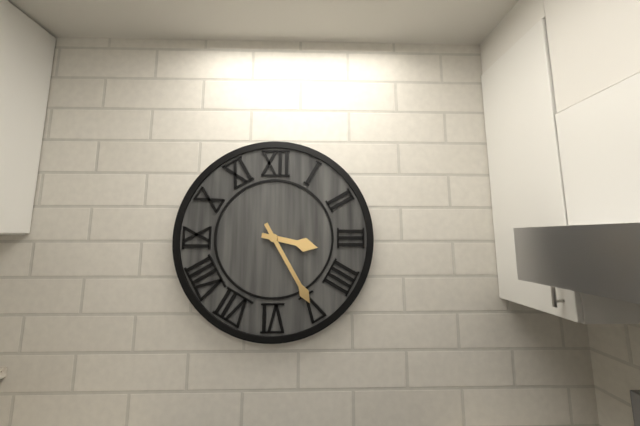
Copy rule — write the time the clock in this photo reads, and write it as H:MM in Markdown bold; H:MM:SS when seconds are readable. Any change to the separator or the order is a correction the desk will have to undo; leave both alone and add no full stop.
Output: **3:25**
